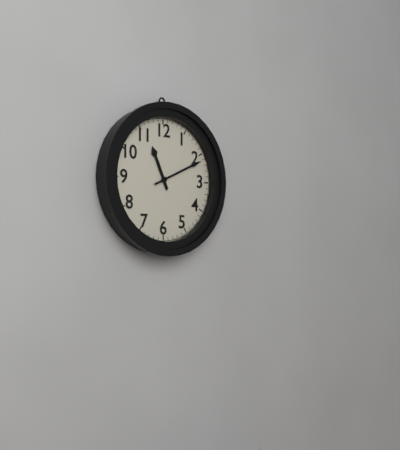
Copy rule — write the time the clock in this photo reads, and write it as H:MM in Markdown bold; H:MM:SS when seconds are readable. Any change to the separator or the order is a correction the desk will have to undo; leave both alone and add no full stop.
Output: **11:11**
